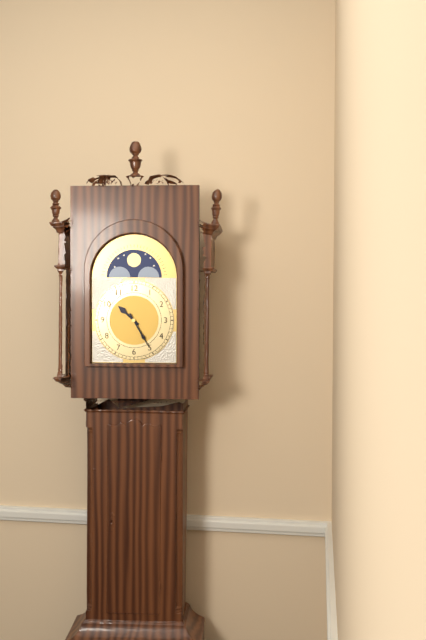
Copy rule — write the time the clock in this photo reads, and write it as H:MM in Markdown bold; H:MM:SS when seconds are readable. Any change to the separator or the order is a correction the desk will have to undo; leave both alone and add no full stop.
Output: **10:25**
